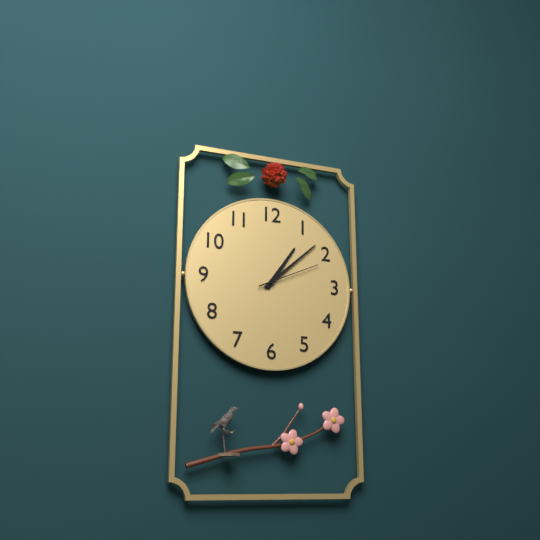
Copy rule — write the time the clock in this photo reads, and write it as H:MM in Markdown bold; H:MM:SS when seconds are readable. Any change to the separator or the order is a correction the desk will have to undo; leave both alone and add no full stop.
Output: **1:08:11**
